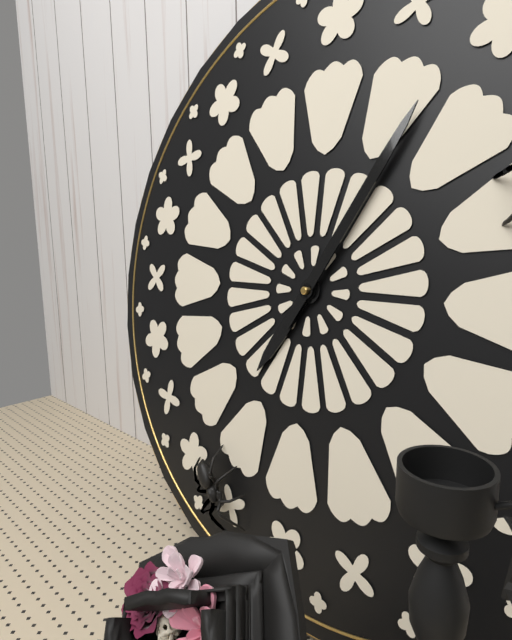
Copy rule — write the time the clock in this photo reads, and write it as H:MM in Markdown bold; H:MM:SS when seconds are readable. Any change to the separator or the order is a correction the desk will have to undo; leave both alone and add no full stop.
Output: **7:05**
